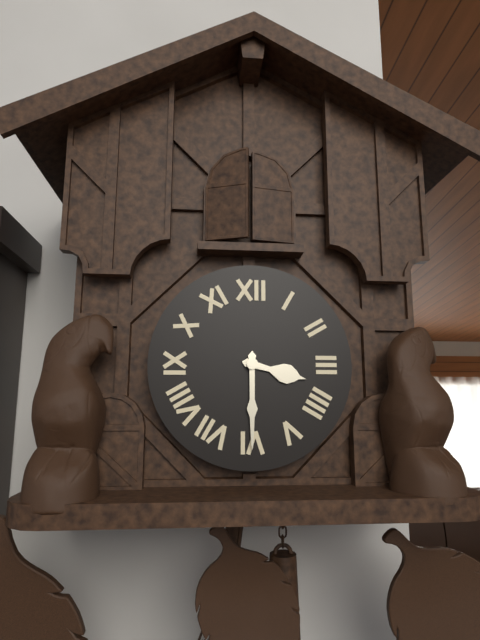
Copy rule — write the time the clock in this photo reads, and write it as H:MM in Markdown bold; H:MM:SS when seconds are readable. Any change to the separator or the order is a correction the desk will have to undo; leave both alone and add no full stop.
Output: **3:30**
